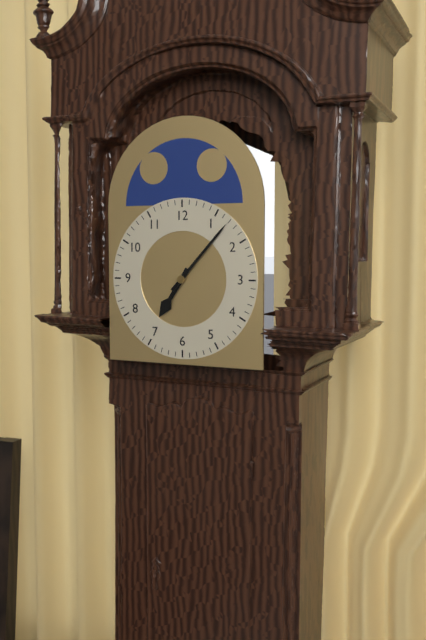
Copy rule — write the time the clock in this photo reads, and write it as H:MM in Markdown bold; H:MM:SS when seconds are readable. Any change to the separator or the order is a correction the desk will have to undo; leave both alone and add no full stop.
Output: **7:07**
